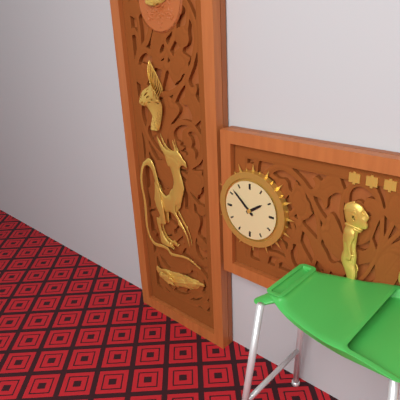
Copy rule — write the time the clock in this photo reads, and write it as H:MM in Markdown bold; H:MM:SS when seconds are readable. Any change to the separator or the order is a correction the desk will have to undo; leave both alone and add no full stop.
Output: **1:52**
